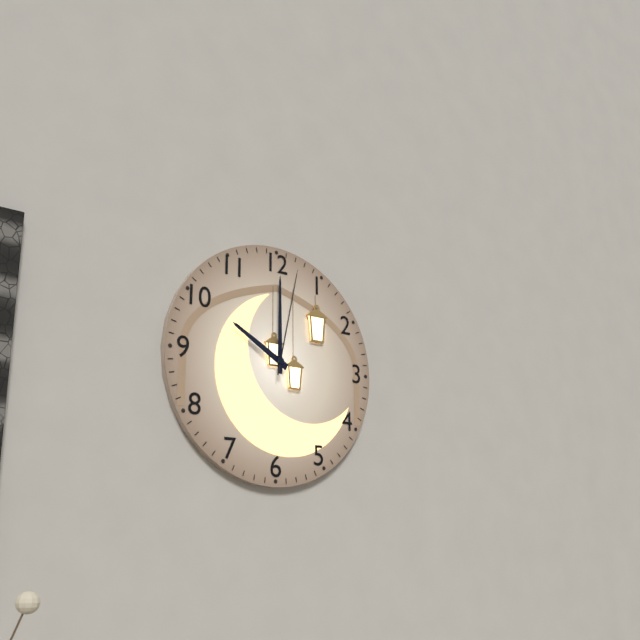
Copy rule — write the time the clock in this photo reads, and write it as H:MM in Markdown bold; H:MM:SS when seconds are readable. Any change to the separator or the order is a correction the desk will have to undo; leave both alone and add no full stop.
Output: **10:00:02**
